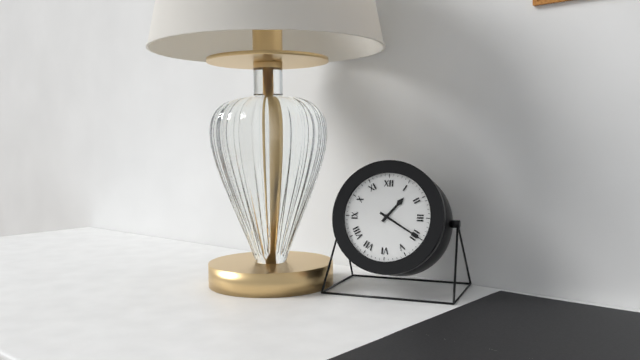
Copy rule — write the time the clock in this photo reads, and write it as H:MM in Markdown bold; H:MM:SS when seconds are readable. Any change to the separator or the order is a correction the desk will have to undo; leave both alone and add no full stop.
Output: **1:20**
